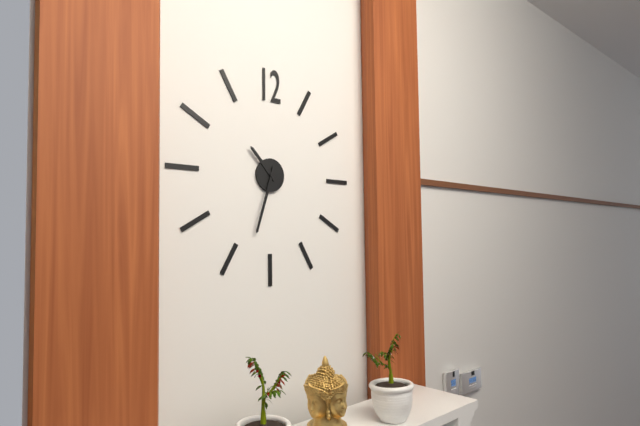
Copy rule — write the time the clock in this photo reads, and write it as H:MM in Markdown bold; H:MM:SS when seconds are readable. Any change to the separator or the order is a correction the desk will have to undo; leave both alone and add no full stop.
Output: **10:33**
